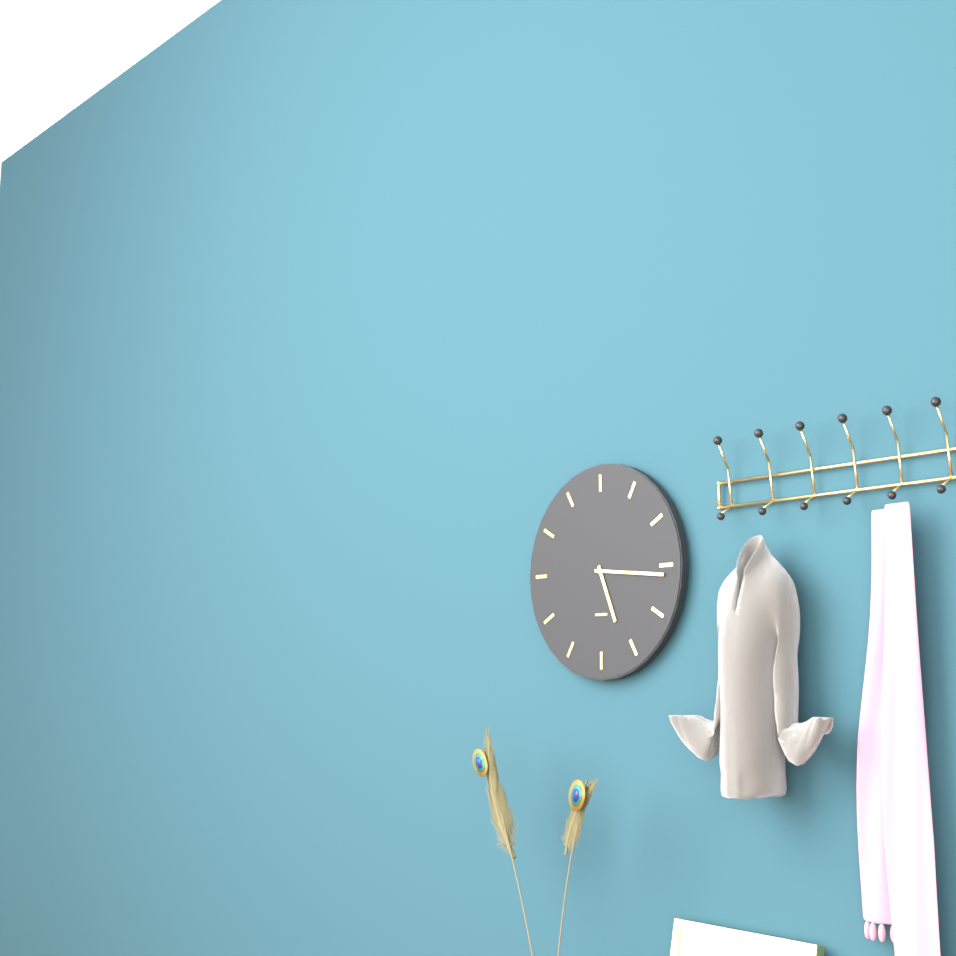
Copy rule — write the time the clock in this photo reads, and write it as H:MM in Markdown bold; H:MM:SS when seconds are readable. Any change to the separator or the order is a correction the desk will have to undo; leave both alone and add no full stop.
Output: **5:16**
